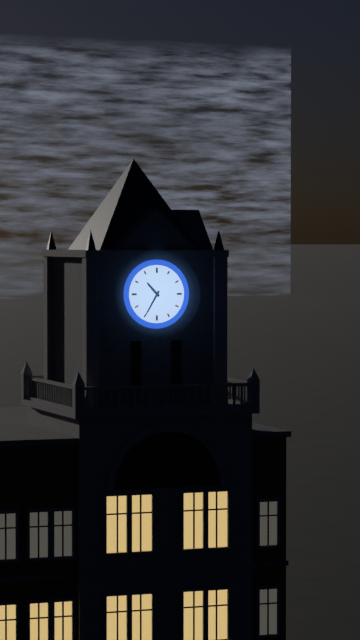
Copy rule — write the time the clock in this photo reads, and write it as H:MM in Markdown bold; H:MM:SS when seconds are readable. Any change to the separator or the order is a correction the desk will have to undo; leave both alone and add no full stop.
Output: **10:35**
